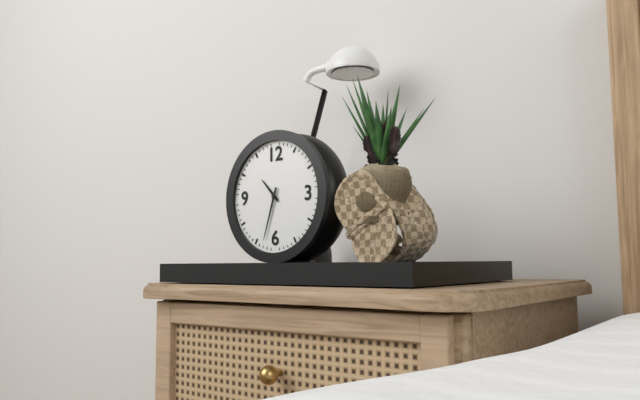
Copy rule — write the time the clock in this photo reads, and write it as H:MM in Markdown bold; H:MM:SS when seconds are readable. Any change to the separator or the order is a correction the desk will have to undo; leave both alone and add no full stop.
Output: **10:33**
